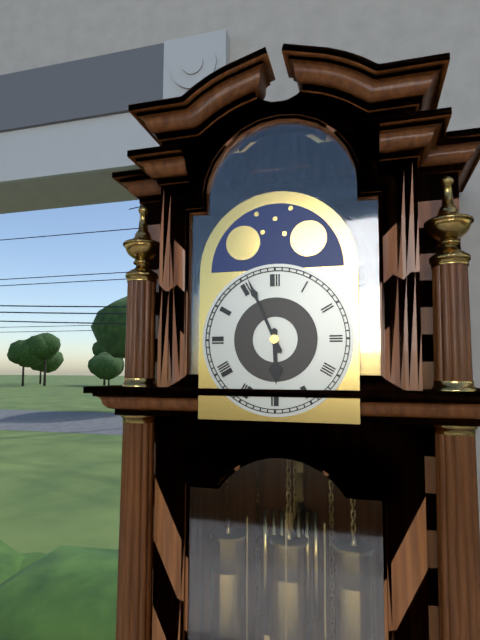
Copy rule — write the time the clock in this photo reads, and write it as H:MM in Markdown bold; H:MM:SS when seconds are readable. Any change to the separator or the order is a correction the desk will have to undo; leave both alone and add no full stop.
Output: **5:56**
